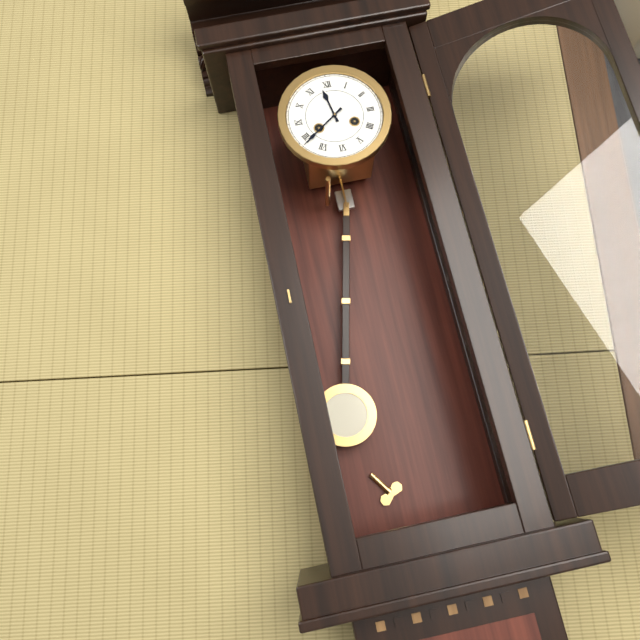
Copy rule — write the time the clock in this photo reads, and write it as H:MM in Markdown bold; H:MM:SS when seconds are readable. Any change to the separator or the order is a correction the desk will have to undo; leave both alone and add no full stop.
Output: **11:39**
